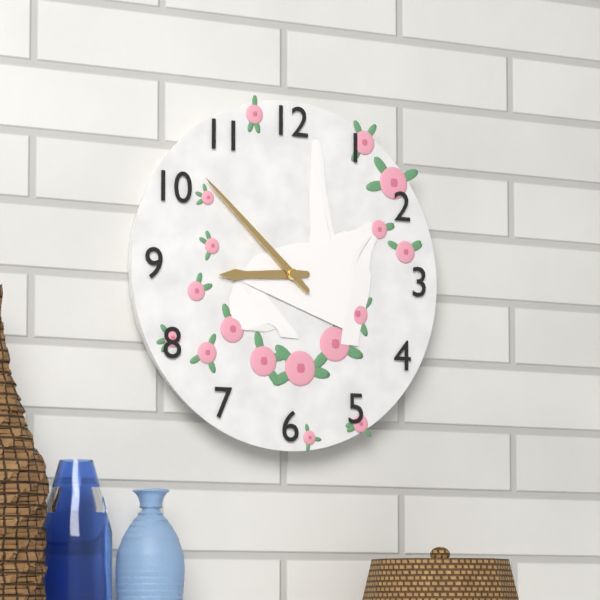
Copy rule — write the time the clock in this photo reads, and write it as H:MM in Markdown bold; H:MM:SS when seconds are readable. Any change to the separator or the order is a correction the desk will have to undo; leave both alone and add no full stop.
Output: **8:52**
